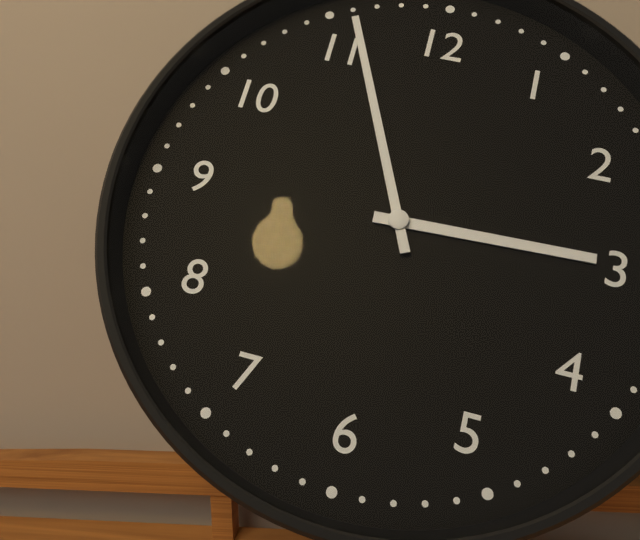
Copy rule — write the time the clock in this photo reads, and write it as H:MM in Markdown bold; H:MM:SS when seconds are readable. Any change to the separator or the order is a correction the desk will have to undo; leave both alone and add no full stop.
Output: **2:56**
